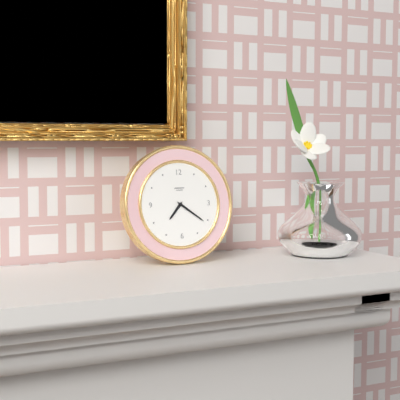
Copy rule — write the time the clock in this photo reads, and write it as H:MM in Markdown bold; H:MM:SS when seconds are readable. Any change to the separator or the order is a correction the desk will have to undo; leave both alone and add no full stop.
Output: **7:21**
